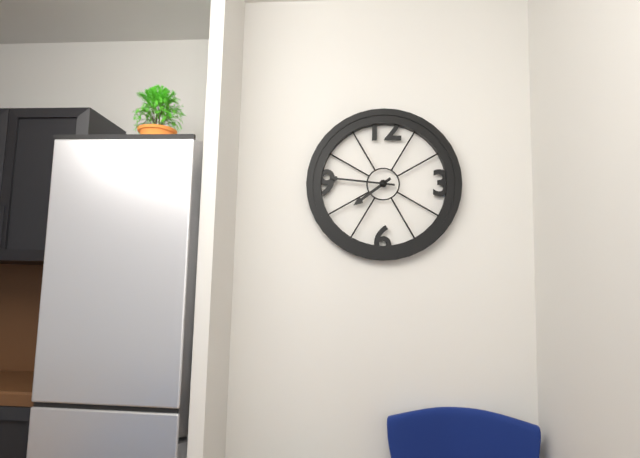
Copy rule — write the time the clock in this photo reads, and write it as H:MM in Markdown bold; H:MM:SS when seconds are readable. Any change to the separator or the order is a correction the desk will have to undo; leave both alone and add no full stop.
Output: **7:46**
